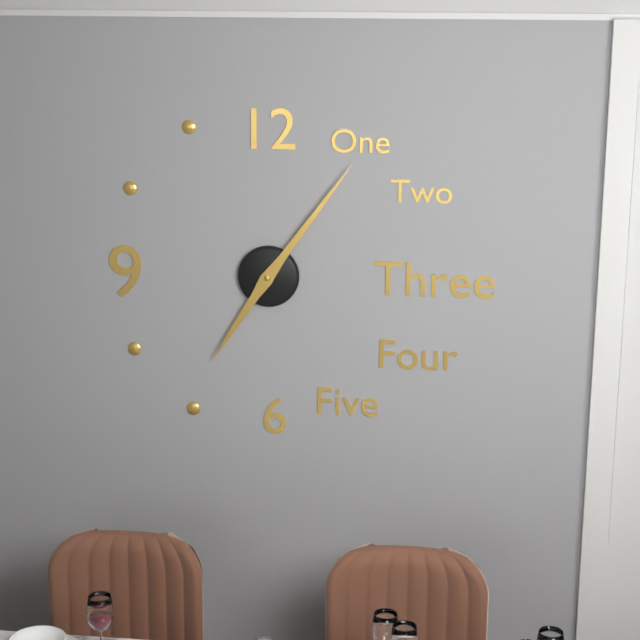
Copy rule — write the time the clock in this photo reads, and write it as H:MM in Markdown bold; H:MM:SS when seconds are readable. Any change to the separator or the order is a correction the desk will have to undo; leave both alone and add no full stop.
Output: **7:06**
